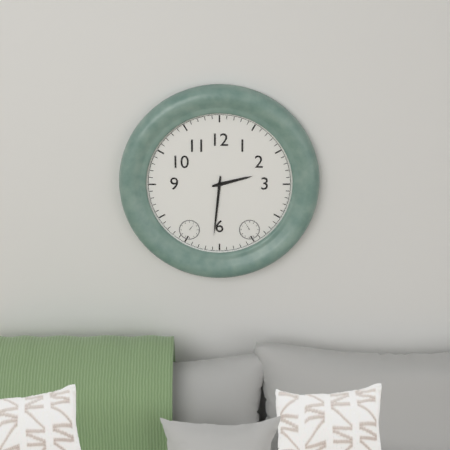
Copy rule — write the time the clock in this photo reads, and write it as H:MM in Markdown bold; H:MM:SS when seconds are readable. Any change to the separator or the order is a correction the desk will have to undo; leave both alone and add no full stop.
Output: **2:31**
